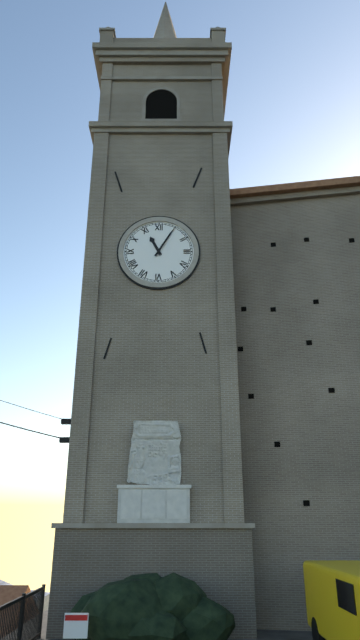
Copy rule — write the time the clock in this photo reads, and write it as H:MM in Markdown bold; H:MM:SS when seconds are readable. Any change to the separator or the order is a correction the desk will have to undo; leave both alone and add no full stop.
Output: **11:05**
